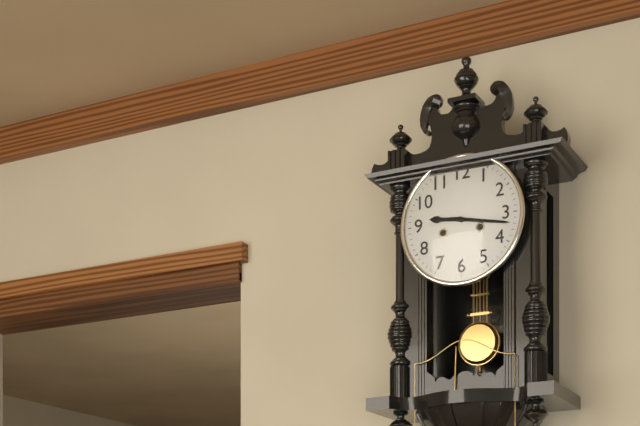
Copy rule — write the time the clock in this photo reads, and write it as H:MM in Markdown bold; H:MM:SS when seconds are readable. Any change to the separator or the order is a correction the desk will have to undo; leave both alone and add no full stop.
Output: **9:17**
